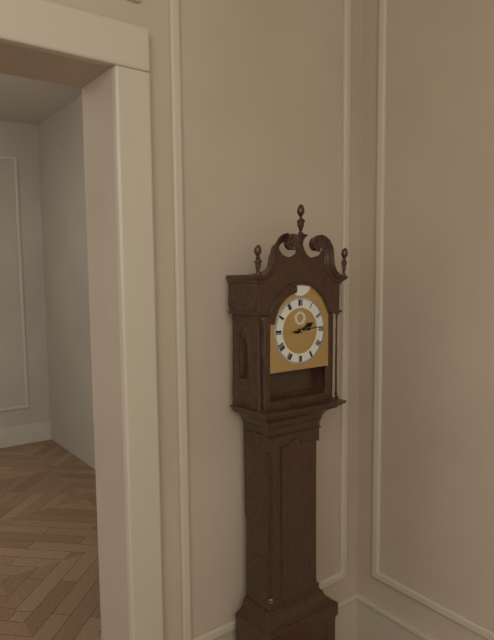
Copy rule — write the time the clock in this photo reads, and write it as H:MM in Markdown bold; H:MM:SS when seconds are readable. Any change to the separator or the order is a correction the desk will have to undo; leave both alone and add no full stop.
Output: **2:14**
